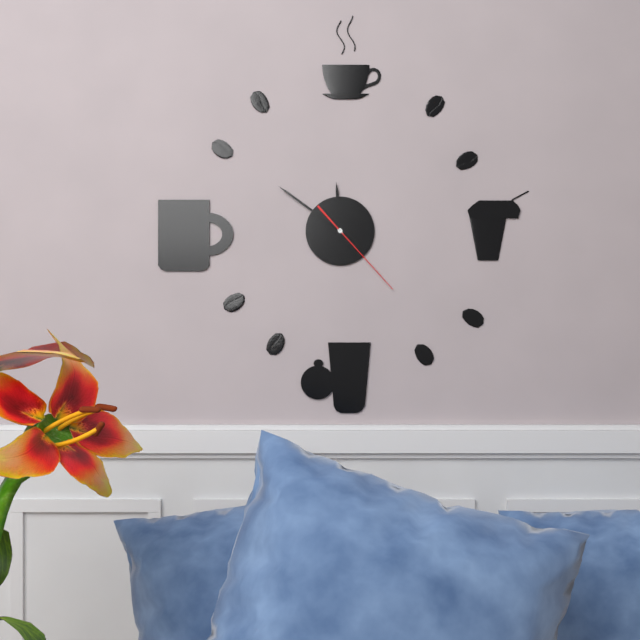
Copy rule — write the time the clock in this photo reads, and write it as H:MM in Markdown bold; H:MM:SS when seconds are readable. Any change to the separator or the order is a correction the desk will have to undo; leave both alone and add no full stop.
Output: **11:51:23**
